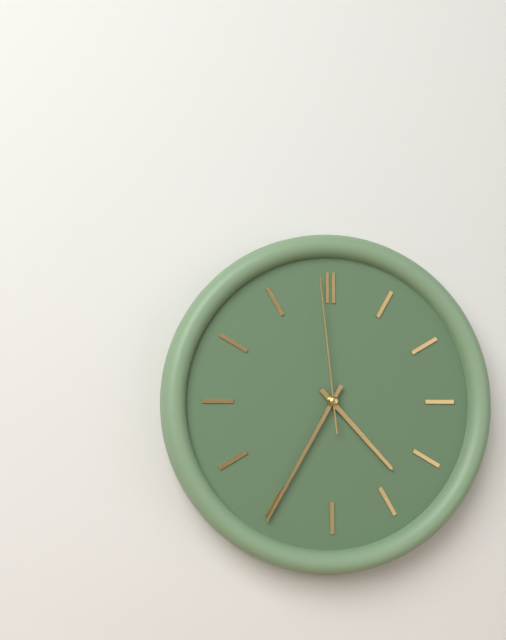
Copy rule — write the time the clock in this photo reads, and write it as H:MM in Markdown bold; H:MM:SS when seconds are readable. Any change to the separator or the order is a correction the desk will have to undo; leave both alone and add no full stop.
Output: **4:35:59**
